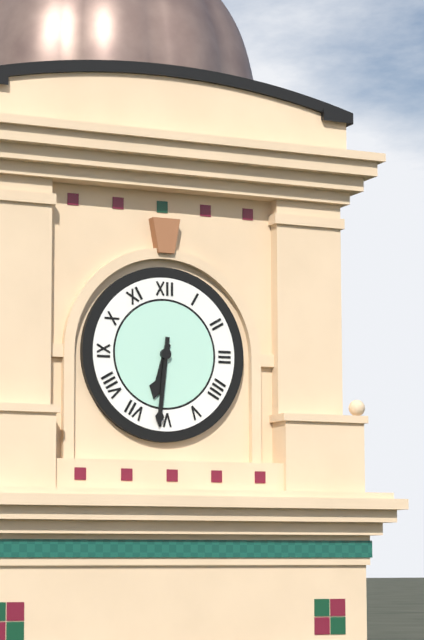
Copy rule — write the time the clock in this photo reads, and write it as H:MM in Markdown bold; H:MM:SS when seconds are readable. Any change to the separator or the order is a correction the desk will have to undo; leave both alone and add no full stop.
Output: **6:31**
